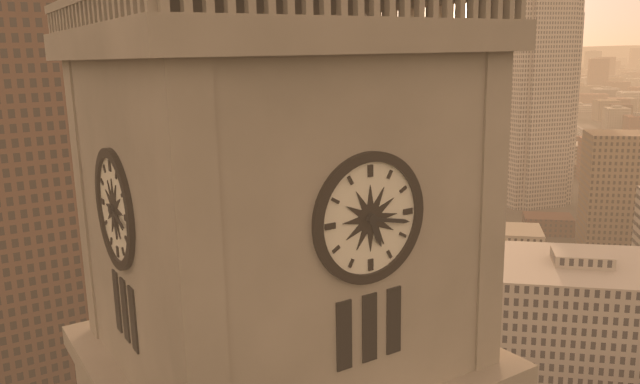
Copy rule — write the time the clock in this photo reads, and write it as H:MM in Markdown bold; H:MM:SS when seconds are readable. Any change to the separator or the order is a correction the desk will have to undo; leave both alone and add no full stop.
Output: **5:17**
